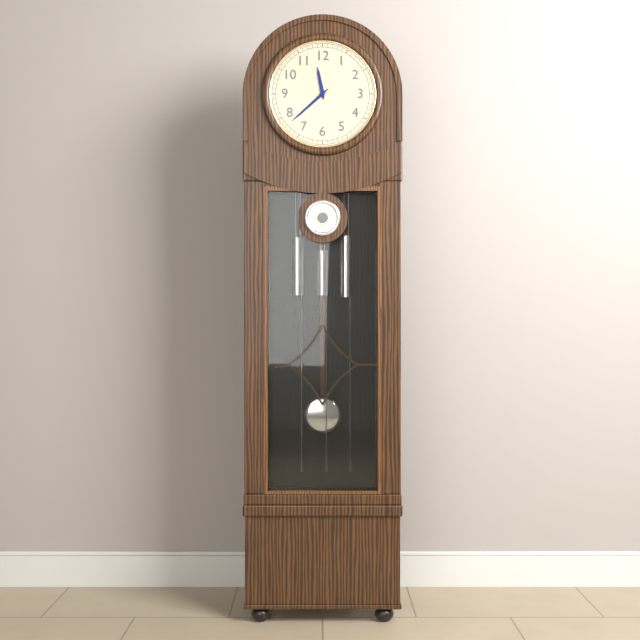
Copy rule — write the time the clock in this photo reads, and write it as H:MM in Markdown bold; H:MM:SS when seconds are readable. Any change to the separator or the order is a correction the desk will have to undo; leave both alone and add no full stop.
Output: **11:38**
